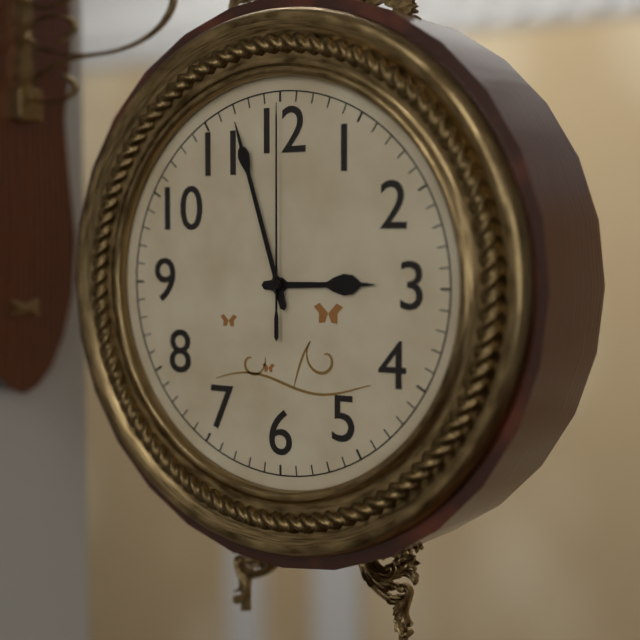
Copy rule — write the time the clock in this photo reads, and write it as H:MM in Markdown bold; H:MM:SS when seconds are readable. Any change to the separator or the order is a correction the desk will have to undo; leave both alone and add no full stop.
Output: **2:57:00**
